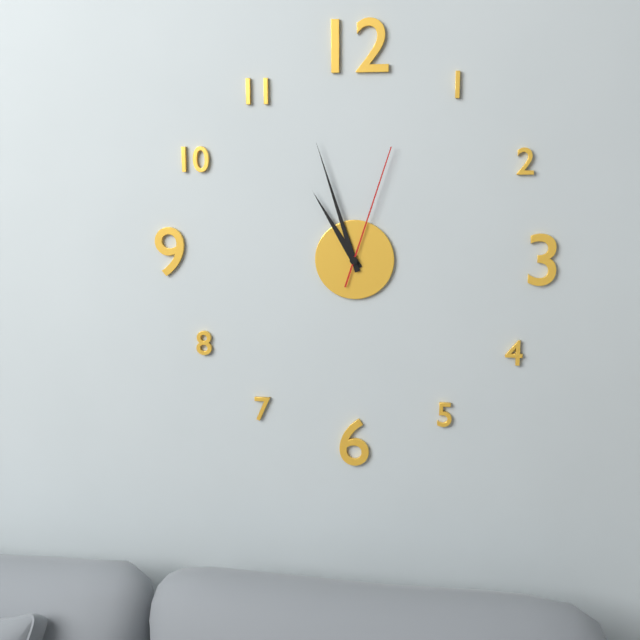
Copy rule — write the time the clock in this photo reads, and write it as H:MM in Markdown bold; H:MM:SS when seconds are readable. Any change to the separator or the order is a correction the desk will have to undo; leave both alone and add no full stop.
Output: **10:57:03**
